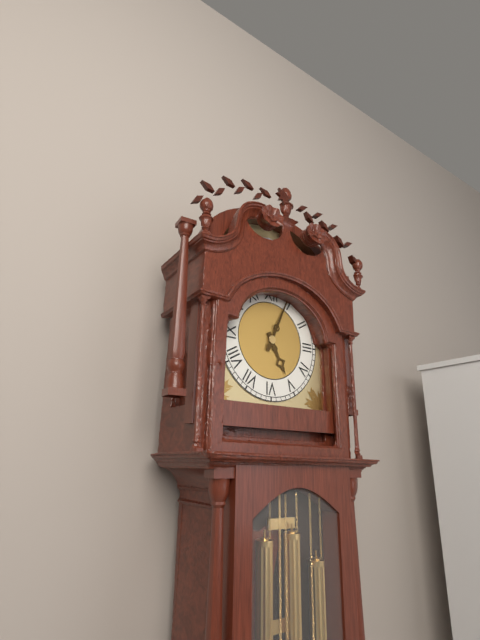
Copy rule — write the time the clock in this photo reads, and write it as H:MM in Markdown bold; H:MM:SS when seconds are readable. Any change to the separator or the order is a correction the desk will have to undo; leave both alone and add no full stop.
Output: **5:04**
